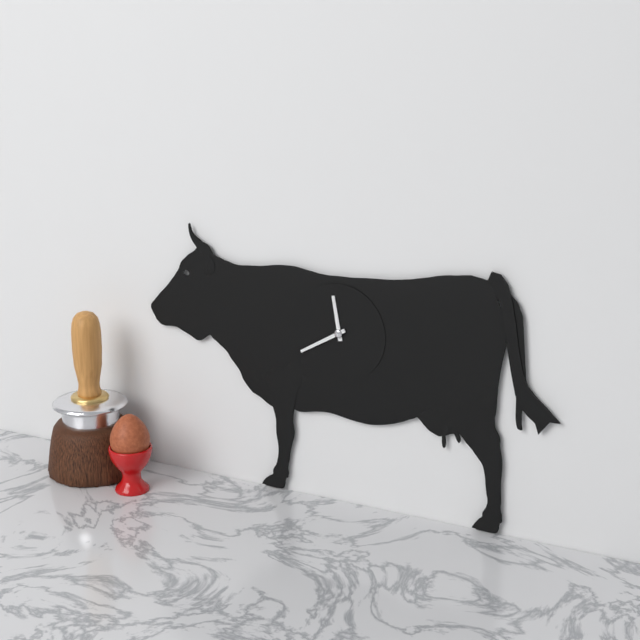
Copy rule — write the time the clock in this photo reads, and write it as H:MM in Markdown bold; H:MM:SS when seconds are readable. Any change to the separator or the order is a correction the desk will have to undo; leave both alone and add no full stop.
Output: **11:40**
